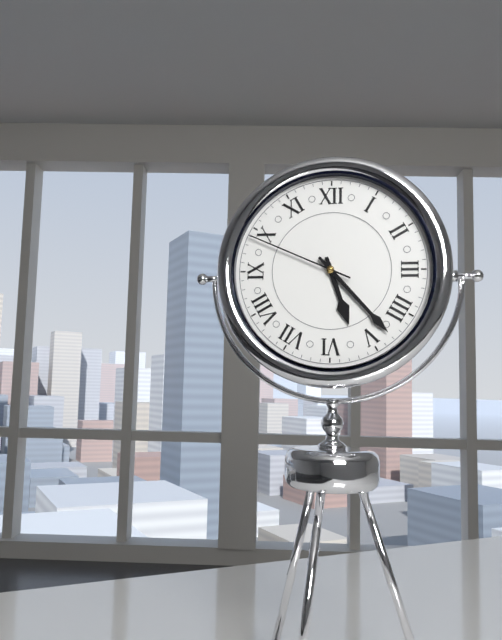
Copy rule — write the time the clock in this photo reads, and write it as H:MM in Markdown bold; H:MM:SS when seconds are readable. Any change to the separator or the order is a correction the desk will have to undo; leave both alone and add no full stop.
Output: **5:23:49**
